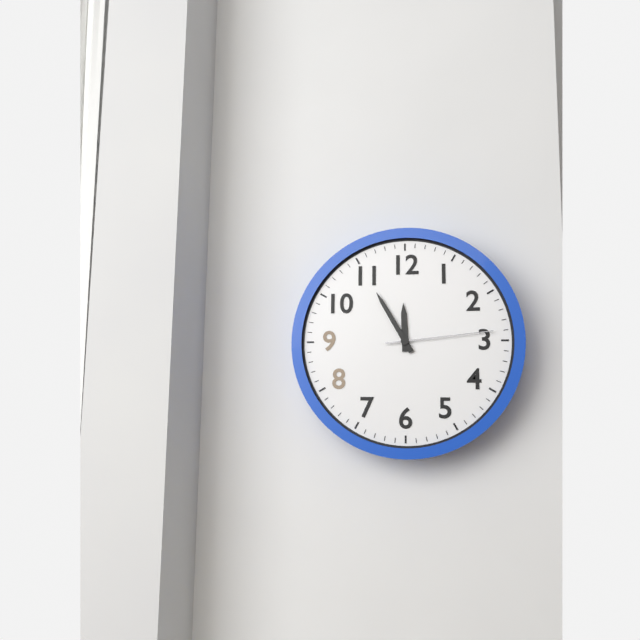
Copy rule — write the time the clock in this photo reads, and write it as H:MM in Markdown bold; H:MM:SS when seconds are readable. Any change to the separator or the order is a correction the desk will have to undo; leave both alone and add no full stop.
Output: **11:55:14**
